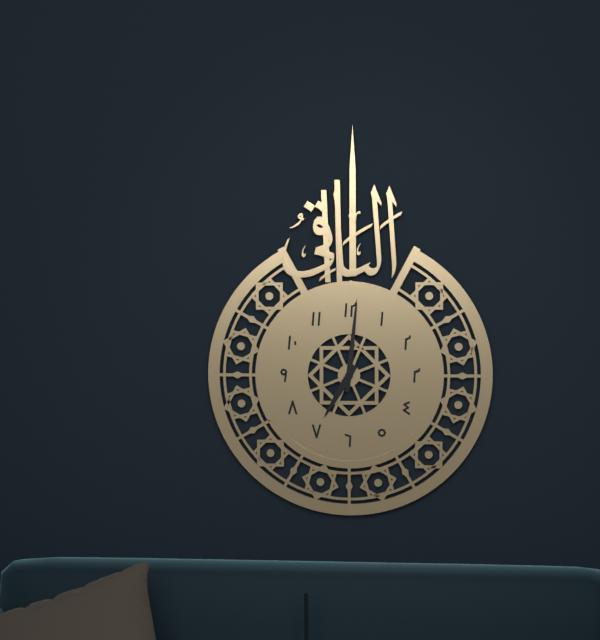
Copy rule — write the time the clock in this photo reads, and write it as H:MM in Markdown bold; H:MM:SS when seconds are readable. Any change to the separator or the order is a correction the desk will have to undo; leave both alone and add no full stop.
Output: **7:01**
